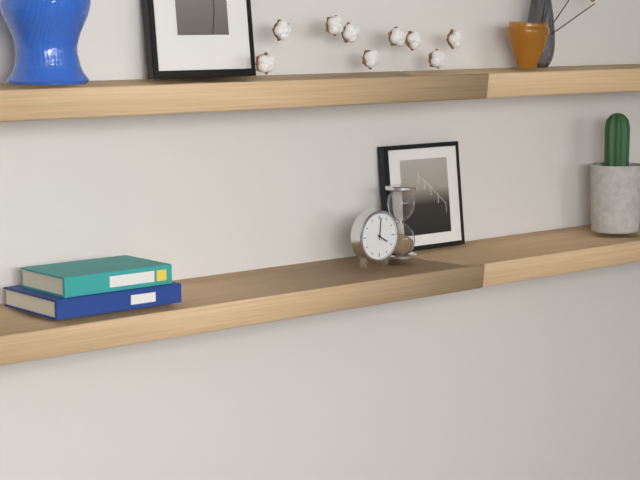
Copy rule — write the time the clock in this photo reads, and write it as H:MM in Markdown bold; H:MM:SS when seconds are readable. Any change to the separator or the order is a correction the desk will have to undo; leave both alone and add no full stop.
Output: **4:01**
